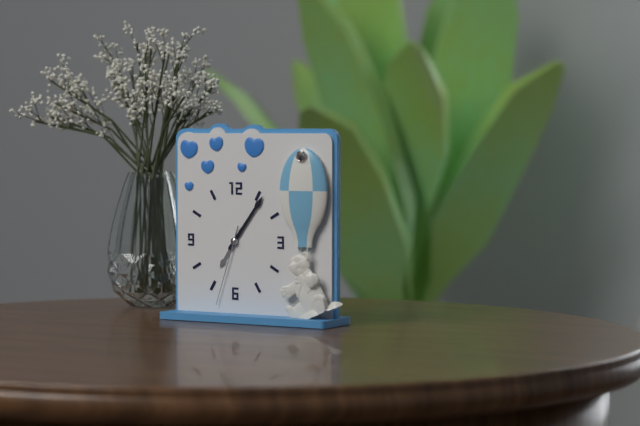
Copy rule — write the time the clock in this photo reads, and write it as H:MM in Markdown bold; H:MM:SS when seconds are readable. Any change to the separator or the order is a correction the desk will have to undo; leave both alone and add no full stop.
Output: **7:06:33**
